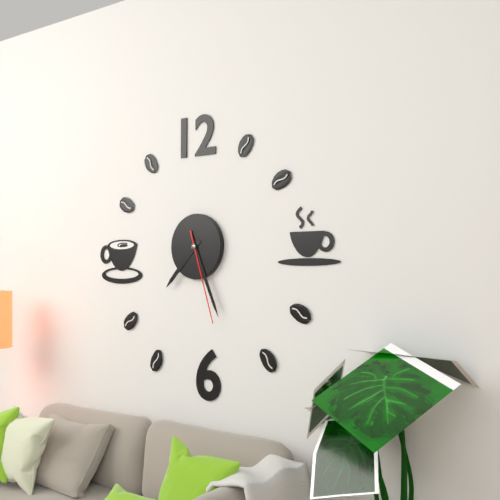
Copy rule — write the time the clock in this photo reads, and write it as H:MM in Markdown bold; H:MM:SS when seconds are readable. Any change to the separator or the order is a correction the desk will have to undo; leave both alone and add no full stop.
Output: **7:26:27**
